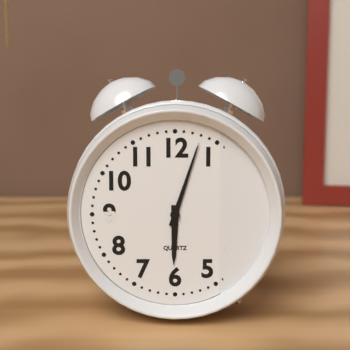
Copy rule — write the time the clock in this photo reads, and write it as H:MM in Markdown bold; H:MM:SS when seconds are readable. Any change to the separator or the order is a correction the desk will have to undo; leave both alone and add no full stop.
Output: **6:03**
